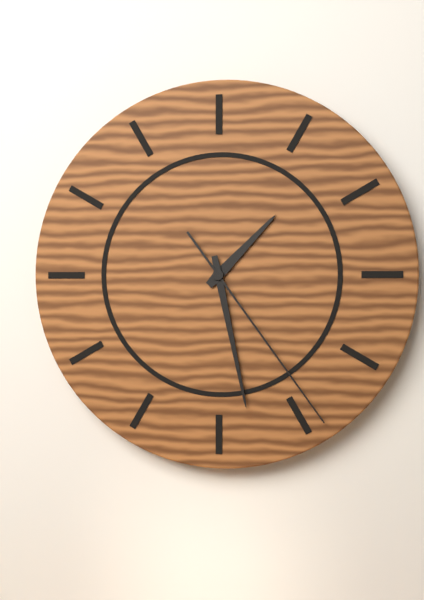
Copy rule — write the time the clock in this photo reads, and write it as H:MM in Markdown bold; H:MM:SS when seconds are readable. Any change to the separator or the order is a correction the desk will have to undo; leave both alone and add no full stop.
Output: **1:28:24**
